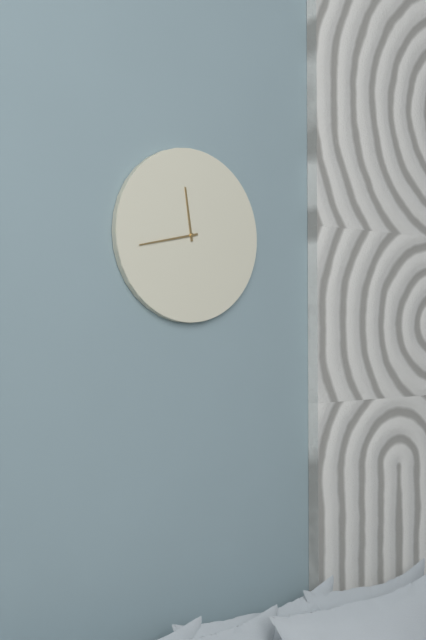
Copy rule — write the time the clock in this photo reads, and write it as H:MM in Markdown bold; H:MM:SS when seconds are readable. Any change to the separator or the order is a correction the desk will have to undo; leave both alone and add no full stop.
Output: **11:43**
